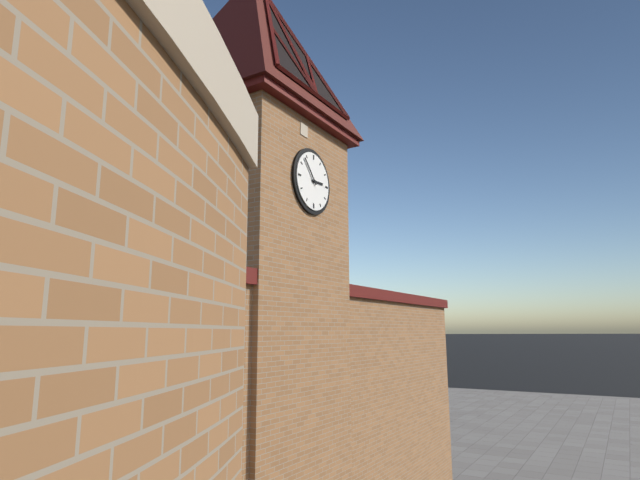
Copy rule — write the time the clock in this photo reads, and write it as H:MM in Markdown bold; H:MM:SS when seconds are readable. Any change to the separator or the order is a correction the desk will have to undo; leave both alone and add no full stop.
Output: **2:53**
